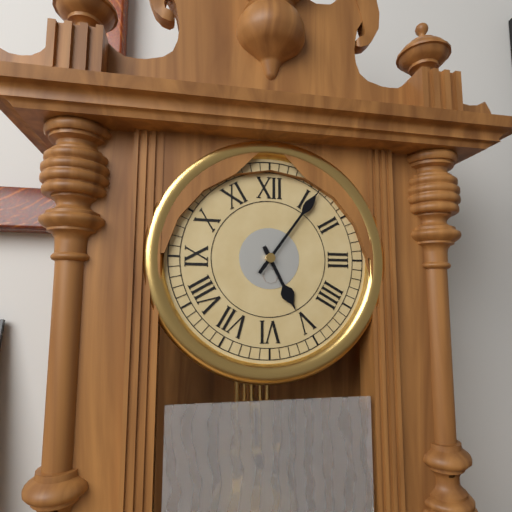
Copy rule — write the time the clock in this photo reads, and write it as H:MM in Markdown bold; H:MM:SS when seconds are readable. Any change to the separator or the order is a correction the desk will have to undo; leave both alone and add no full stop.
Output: **5:06**
